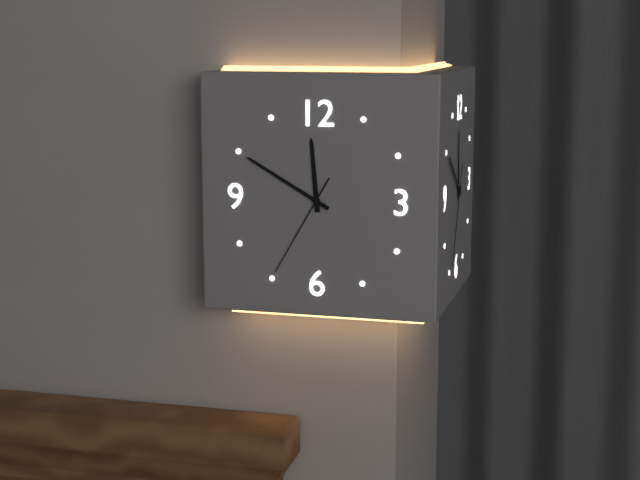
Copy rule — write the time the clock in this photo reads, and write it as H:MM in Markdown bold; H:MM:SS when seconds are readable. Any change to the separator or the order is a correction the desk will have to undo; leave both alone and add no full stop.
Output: **11:50:35**
